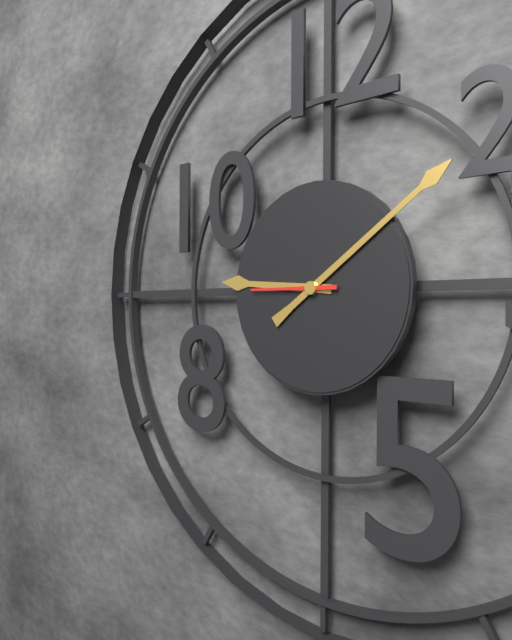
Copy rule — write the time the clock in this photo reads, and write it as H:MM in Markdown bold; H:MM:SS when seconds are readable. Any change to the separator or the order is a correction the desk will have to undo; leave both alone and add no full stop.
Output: **9:09:45**
